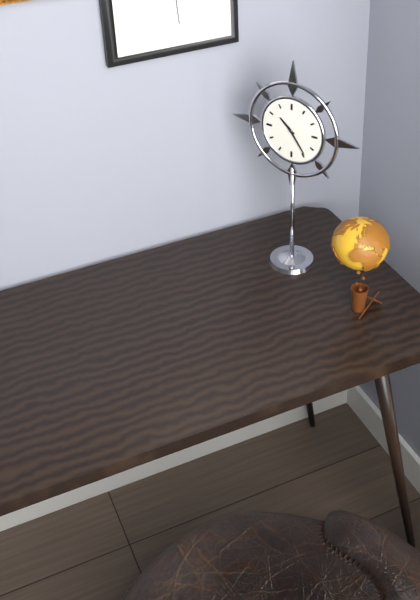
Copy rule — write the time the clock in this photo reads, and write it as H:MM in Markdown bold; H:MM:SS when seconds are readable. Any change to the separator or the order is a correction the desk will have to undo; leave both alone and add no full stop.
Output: **10:24**
